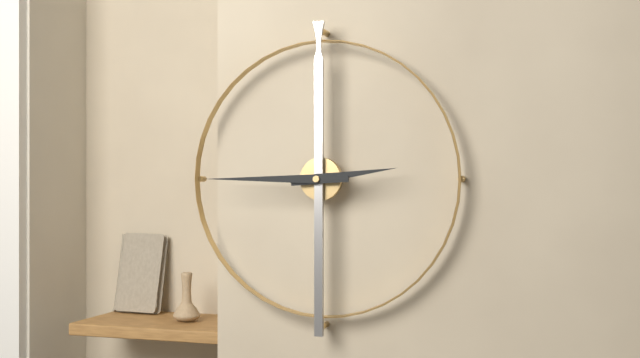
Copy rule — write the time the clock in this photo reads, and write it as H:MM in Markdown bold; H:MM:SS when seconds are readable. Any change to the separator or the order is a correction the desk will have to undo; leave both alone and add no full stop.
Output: **2:45**
